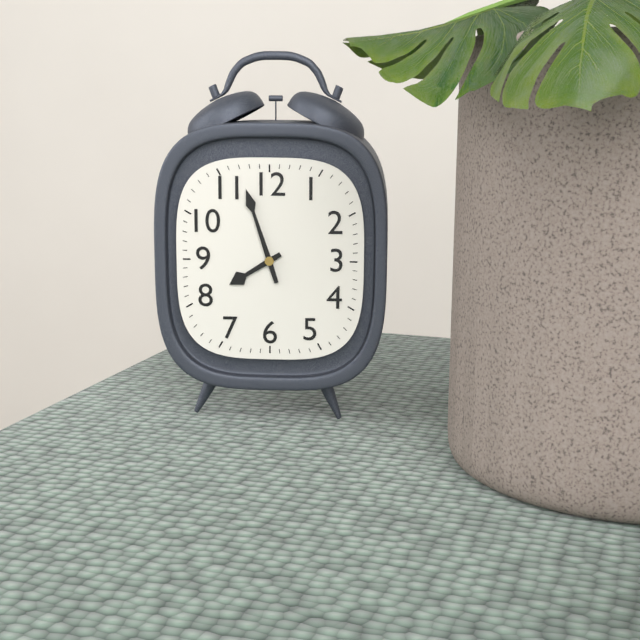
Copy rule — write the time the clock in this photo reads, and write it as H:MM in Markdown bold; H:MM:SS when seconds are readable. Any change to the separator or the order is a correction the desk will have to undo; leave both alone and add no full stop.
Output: **7:57**
